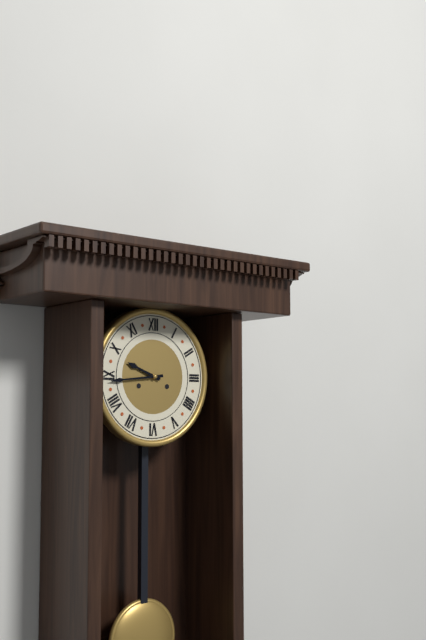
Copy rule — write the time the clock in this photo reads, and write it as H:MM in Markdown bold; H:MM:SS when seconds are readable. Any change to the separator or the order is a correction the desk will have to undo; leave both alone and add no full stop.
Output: **9:44**
